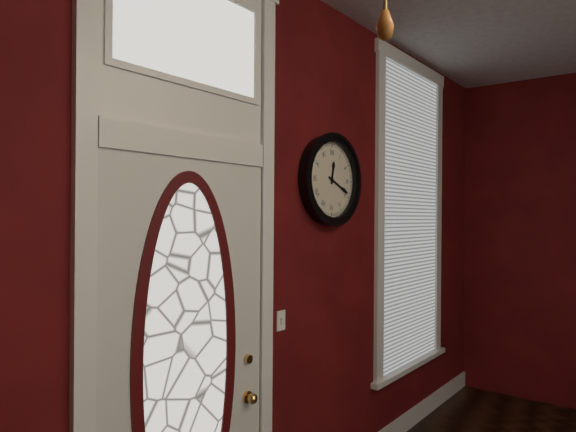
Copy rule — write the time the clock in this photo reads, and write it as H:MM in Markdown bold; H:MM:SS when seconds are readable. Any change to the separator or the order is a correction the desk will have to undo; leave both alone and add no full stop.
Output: **12:19**
